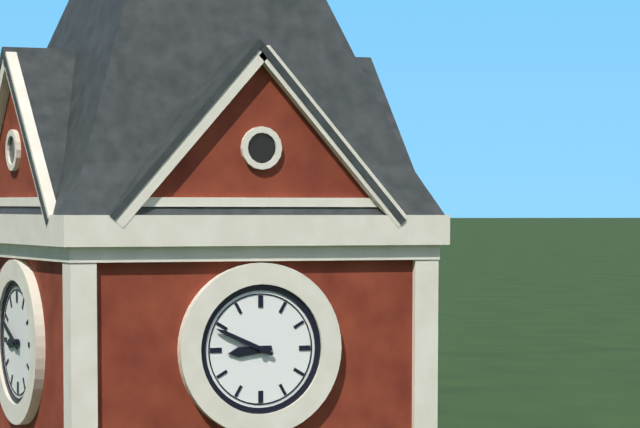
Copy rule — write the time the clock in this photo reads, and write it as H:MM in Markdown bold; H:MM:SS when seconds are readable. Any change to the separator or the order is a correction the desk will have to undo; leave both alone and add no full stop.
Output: **8:49**
